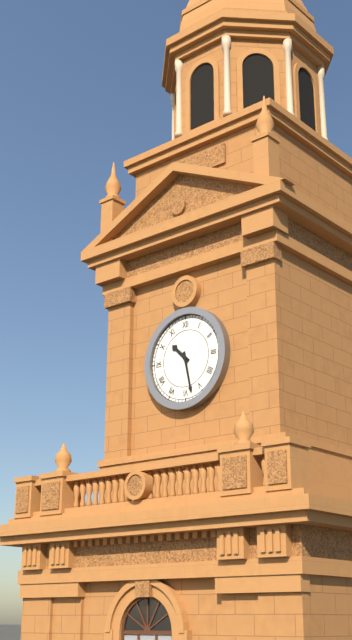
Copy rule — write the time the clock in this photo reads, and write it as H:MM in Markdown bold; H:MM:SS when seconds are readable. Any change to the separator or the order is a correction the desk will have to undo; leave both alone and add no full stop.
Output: **10:28**
